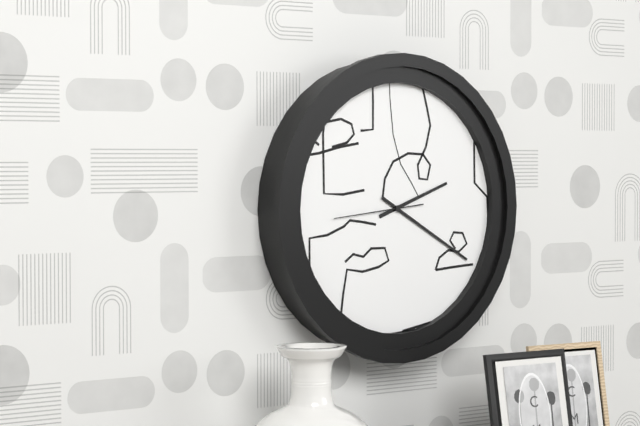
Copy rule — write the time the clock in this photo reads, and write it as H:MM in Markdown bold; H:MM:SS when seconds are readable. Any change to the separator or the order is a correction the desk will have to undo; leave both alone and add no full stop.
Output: **2:20:44**
